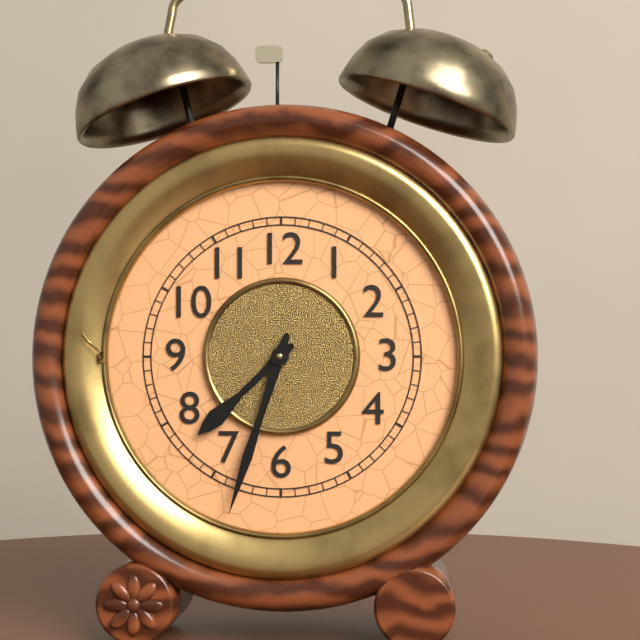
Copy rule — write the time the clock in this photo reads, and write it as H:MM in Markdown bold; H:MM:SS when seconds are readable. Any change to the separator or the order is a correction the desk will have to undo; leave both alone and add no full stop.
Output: **7:33**
